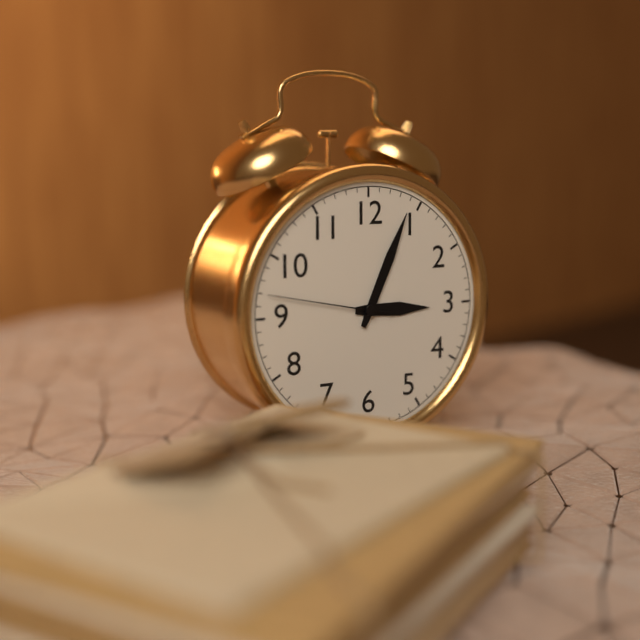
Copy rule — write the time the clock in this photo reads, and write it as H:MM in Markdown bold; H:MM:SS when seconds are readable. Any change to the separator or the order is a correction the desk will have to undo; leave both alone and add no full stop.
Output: **3:04:47**
